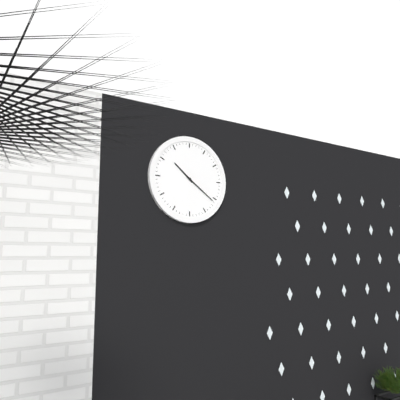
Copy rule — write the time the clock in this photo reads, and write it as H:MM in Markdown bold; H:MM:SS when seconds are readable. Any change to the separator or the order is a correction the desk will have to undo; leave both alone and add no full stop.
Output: **10:21**
